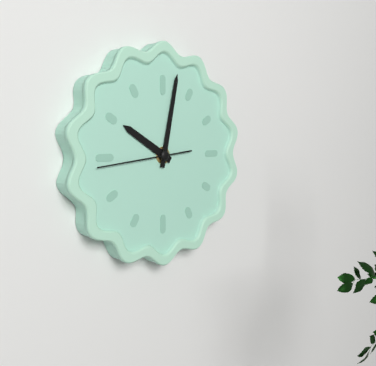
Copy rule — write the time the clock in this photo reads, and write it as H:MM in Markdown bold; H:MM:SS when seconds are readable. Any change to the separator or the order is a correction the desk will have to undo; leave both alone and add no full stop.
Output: **10:02:44**
